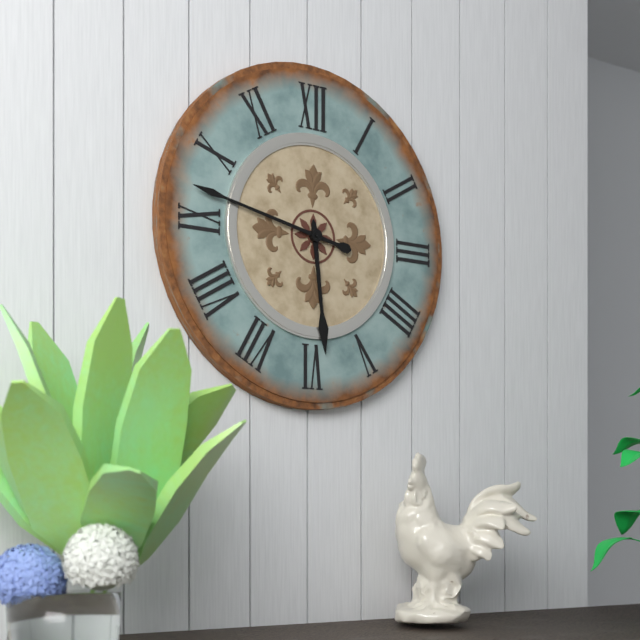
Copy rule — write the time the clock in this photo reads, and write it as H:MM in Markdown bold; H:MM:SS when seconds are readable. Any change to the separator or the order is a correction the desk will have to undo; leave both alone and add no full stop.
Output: **5:47**
